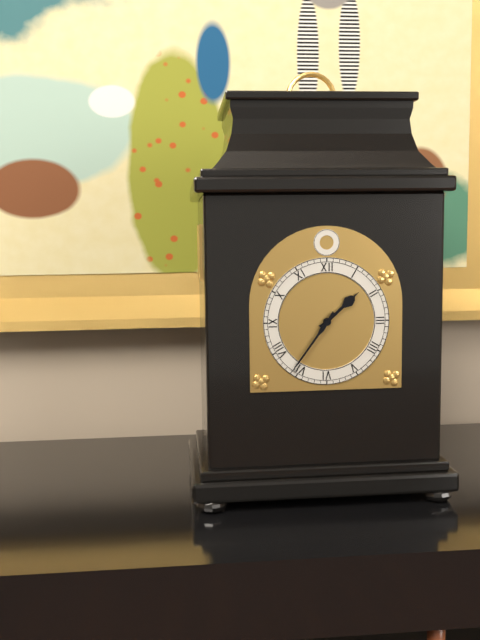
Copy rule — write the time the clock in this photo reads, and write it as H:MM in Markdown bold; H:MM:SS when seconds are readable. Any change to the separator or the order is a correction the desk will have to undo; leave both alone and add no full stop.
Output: **1:36**
